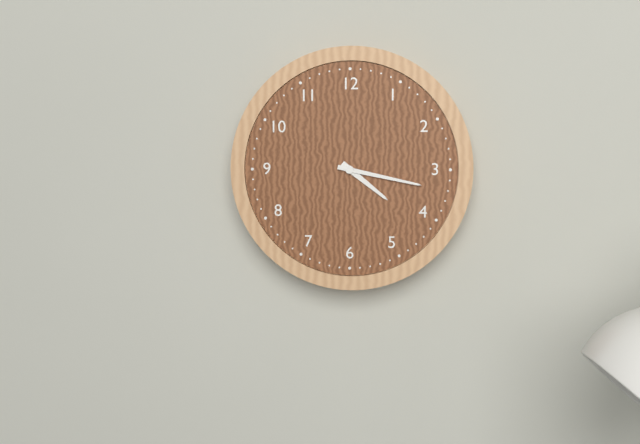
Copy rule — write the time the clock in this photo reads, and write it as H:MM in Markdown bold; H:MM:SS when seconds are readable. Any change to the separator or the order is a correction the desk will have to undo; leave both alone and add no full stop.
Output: **4:17**
